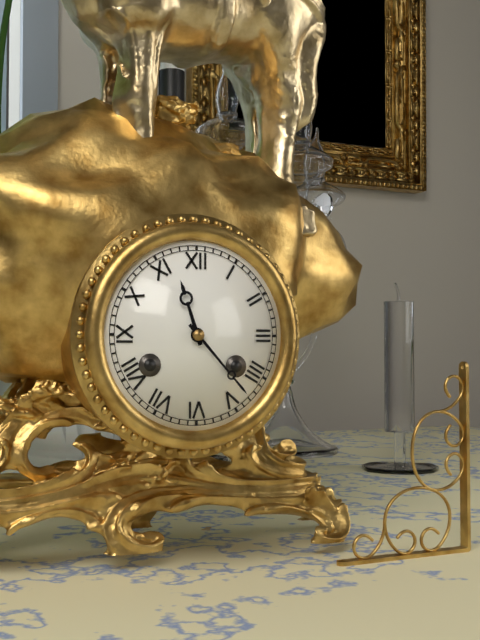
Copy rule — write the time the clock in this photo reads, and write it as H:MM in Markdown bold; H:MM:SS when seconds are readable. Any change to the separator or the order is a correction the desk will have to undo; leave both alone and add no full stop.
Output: **11:23**
